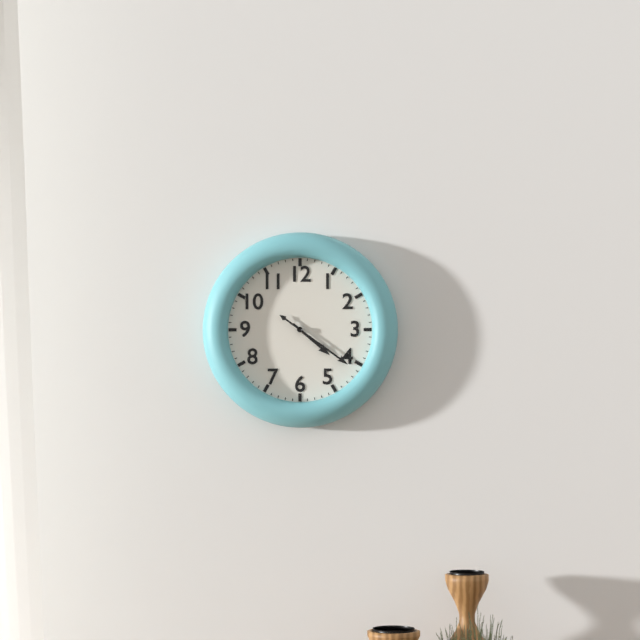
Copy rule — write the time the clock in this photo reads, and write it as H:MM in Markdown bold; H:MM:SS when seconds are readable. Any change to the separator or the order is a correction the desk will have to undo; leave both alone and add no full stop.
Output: **4:21**
